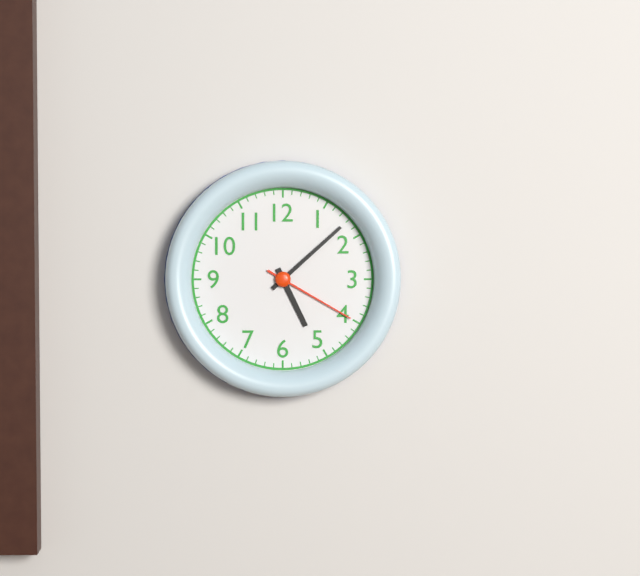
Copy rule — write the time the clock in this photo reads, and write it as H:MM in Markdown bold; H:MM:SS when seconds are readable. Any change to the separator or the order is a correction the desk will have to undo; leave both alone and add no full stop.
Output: **5:08:20**
